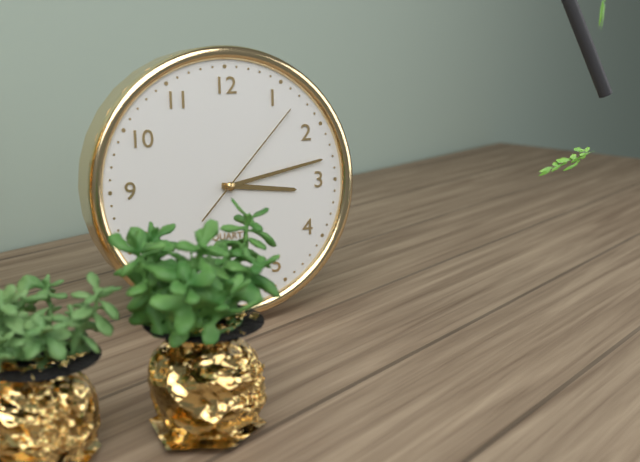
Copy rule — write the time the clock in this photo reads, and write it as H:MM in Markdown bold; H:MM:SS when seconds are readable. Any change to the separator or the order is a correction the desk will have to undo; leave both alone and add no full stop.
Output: **3:13:07**
